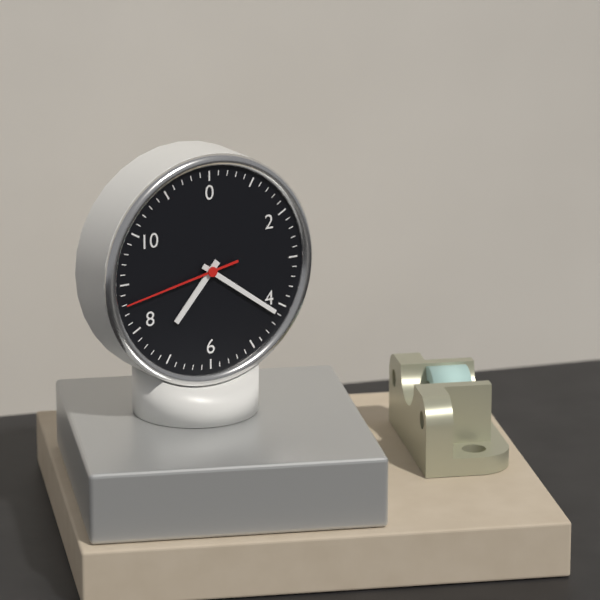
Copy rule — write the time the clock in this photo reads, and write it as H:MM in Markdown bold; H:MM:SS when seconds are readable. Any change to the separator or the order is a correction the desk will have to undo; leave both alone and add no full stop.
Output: **7:21:43**
